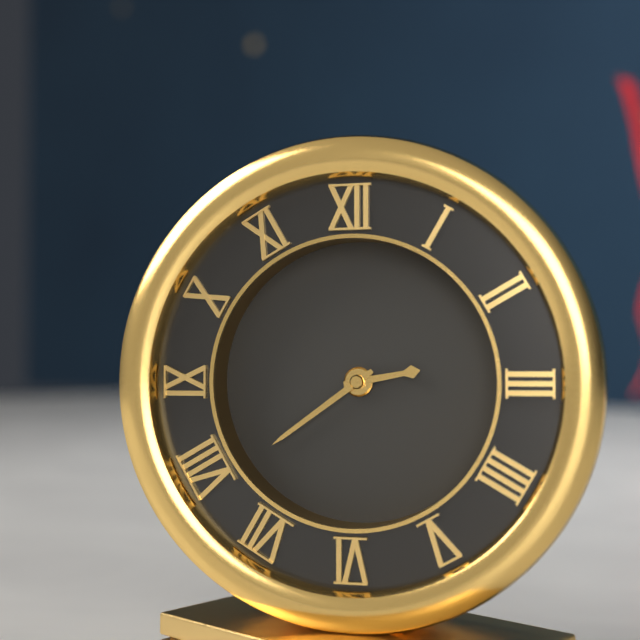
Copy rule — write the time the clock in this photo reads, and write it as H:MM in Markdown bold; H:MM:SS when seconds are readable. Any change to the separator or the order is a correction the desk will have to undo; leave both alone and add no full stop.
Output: **2:39**
